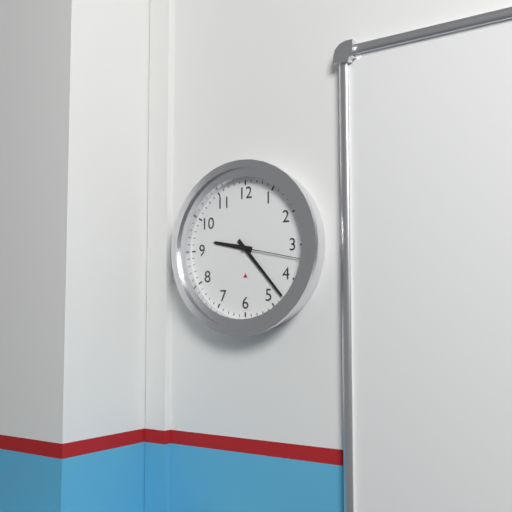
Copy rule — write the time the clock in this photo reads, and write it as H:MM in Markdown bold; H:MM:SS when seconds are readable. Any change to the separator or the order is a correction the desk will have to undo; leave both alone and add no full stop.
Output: **9:23:17**
